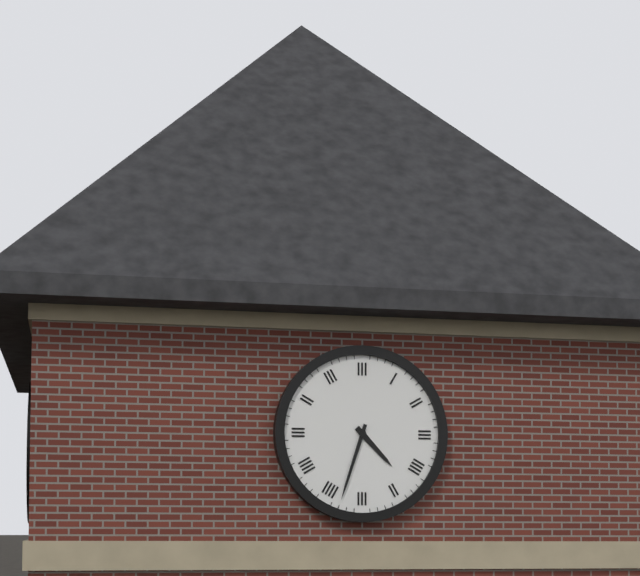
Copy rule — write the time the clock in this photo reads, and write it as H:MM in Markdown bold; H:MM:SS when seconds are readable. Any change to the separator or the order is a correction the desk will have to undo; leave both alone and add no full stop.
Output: **4:33**
